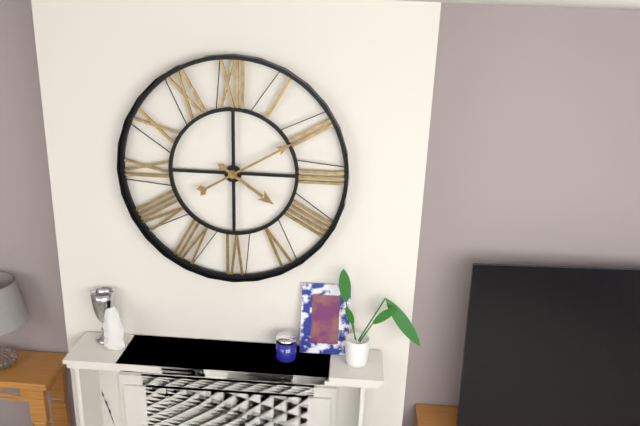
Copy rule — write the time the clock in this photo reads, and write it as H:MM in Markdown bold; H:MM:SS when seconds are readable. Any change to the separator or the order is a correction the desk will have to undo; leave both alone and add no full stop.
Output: **4:10**
